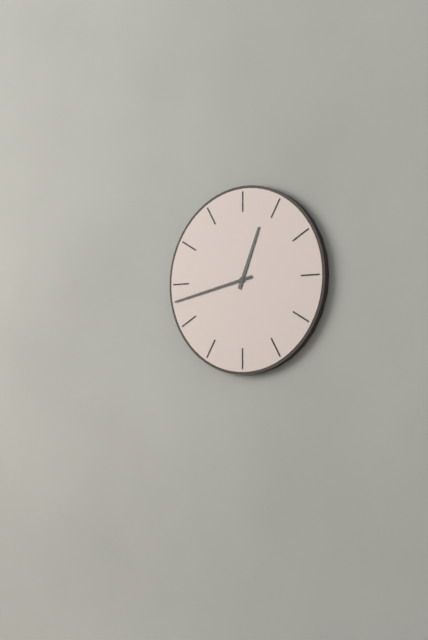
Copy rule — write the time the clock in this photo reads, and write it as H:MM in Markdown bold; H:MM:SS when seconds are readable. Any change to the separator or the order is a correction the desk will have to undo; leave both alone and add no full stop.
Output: **12:43**
